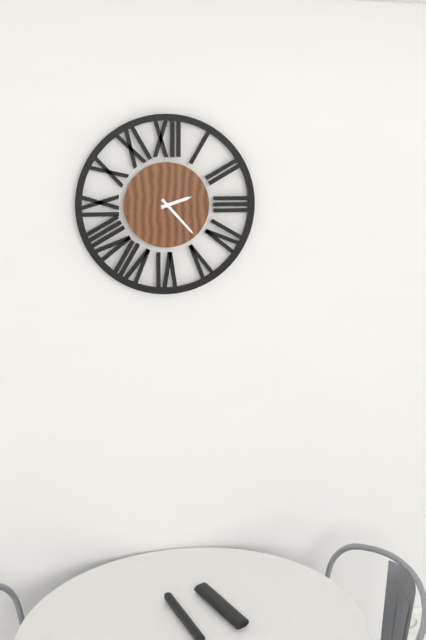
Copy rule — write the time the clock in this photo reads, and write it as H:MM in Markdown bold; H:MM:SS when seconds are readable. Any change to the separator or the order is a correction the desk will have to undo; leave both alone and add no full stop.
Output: **2:23**
